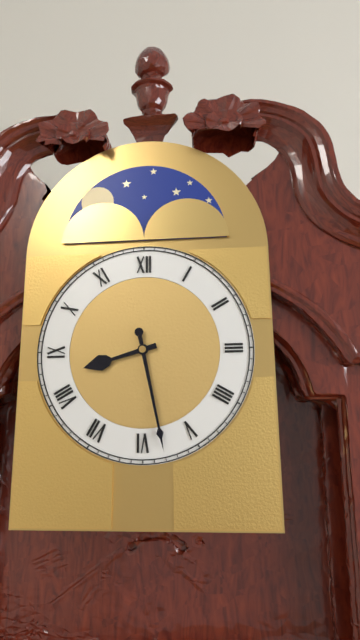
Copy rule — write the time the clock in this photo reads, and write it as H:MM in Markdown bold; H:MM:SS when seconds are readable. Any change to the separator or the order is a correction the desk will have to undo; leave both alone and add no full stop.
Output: **8:28**
